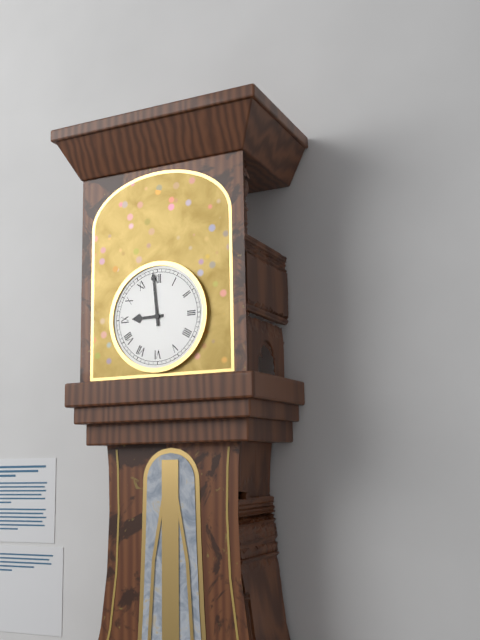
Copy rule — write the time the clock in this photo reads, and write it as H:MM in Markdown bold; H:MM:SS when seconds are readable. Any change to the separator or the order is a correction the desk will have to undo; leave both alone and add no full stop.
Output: **8:59**
